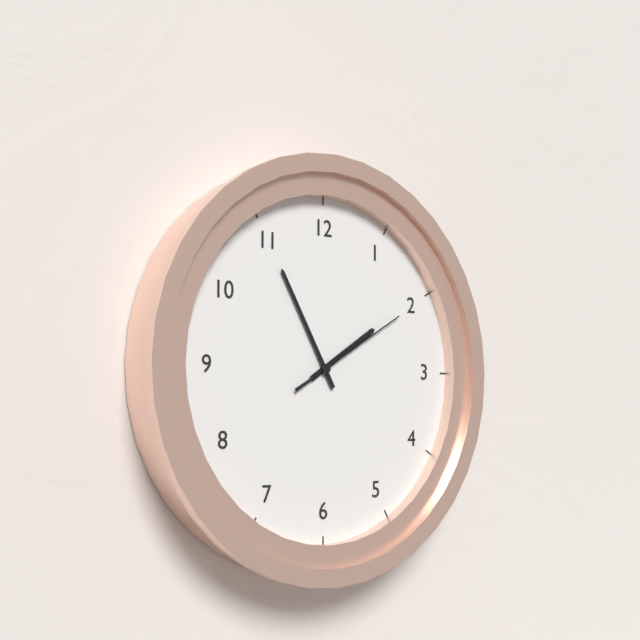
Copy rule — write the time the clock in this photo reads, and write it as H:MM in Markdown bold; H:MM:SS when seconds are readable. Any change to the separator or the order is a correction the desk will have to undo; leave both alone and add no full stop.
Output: **1:55:10**
